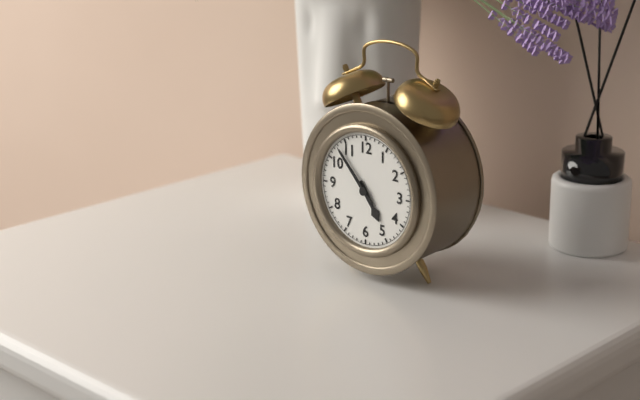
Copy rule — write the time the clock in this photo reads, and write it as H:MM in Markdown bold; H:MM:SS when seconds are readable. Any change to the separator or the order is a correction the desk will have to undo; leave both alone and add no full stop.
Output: **4:53**
